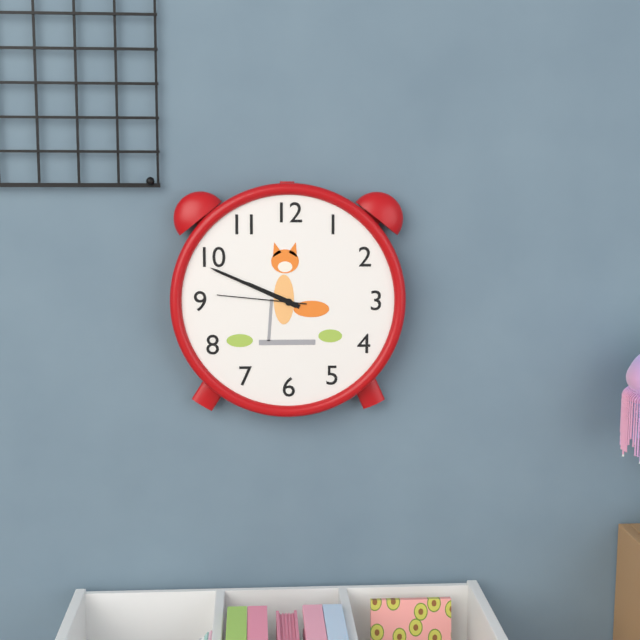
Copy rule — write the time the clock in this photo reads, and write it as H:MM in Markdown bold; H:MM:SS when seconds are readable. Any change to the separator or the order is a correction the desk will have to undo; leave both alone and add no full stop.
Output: **9:49:46**
